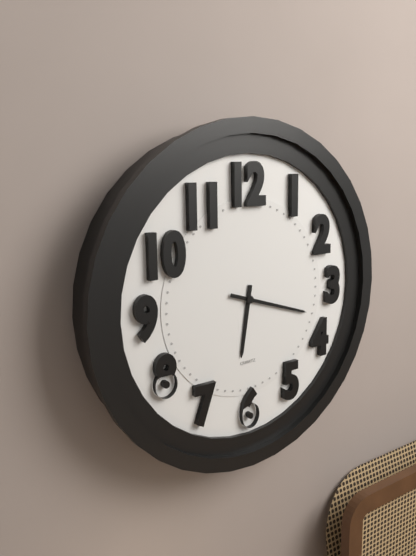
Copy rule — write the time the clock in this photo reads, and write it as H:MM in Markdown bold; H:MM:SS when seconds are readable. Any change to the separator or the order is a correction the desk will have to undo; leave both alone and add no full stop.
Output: **6:18**
